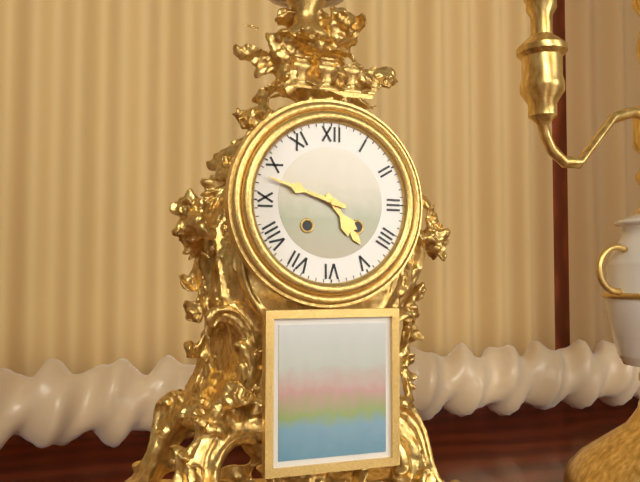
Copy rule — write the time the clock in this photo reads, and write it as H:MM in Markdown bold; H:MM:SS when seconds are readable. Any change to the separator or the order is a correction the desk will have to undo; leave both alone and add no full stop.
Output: **4:48**
